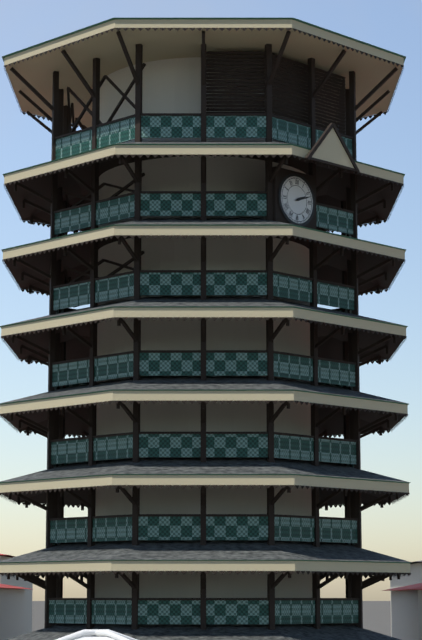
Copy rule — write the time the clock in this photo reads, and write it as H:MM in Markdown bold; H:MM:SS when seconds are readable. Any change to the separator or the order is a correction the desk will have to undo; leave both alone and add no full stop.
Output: **2:12**
